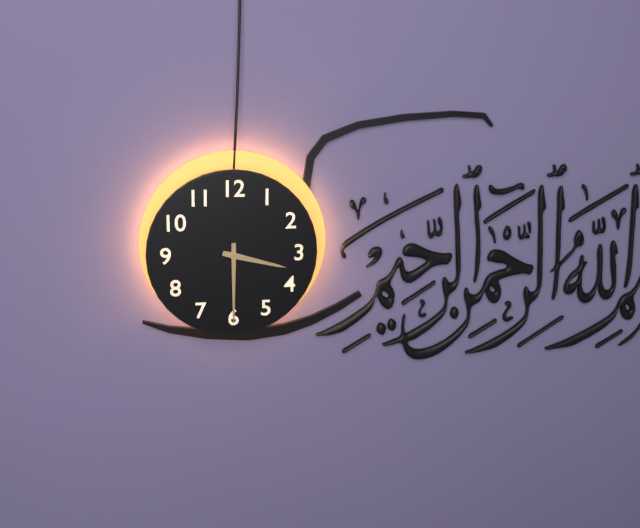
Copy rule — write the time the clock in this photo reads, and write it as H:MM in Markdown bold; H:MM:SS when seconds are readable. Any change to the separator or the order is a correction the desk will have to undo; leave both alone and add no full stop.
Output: **3:30**
